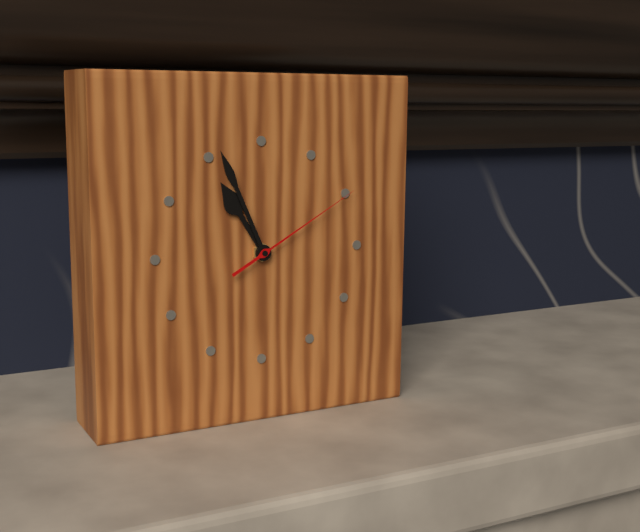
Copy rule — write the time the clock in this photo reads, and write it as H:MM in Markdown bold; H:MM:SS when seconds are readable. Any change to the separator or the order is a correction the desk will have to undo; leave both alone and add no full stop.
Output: **10:56:10**
